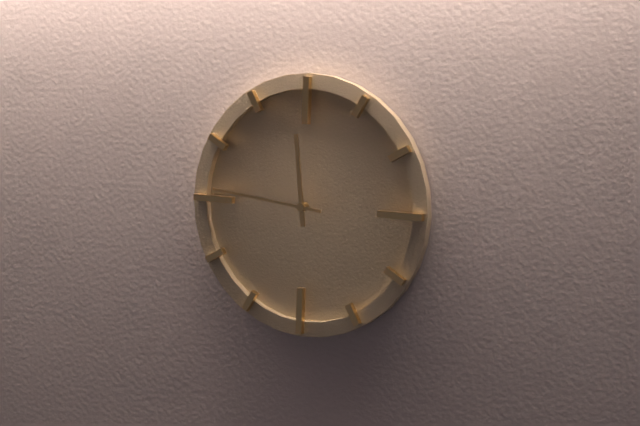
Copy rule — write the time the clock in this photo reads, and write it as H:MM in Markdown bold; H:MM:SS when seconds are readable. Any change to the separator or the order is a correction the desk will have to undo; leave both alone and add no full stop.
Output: **11:46**
